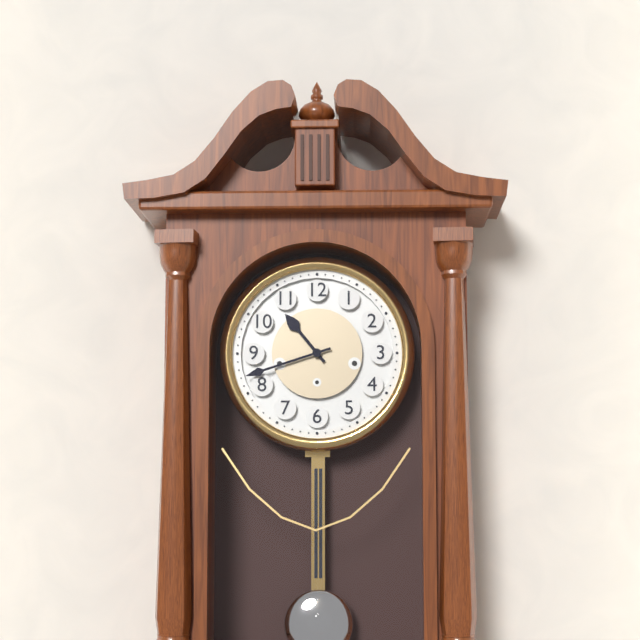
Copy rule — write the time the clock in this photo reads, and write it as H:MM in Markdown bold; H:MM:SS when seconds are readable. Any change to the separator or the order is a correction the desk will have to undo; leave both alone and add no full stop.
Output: **10:42**
